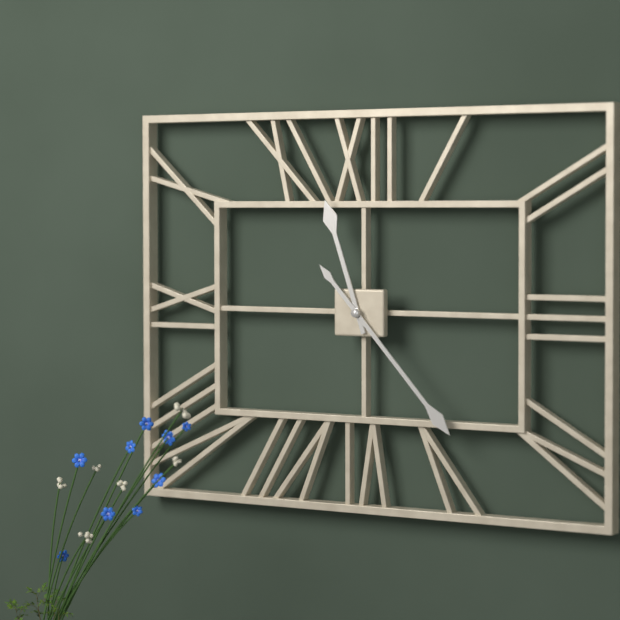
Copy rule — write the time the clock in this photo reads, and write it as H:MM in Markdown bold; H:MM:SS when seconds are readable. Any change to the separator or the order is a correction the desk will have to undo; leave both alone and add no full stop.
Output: **11:23**
